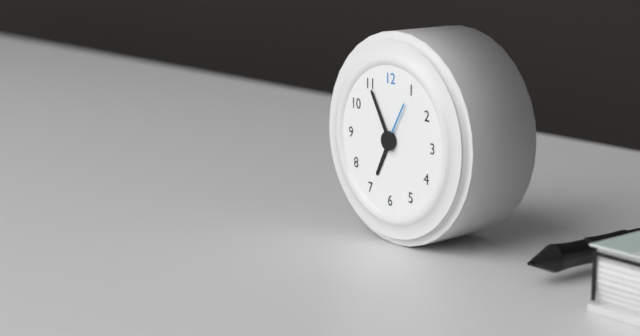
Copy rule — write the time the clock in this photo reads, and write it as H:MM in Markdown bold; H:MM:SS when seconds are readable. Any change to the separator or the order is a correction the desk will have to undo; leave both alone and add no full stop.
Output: **6:55:05**
